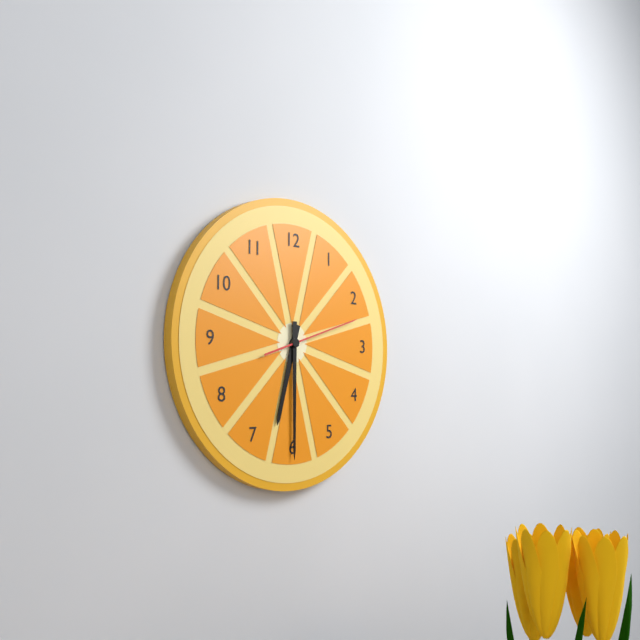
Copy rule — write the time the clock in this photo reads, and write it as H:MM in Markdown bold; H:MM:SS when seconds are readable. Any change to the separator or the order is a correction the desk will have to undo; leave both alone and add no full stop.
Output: **6:30:12**
